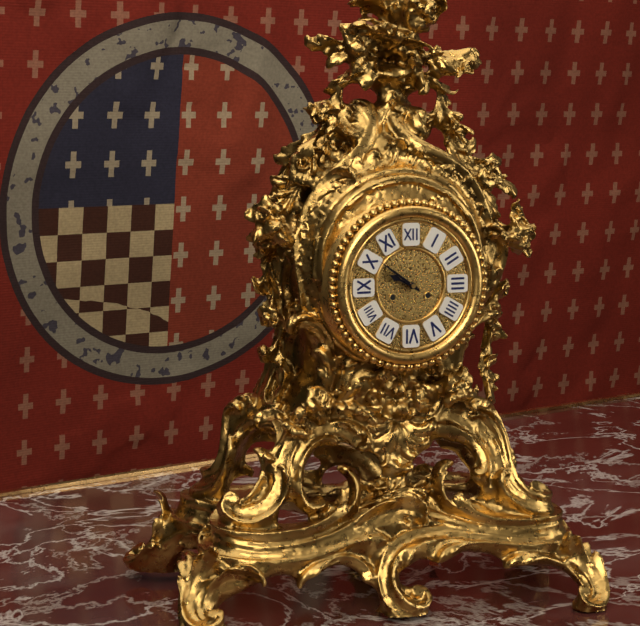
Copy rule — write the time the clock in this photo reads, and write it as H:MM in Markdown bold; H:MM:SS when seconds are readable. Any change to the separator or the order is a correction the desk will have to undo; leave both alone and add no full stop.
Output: **9:51**
